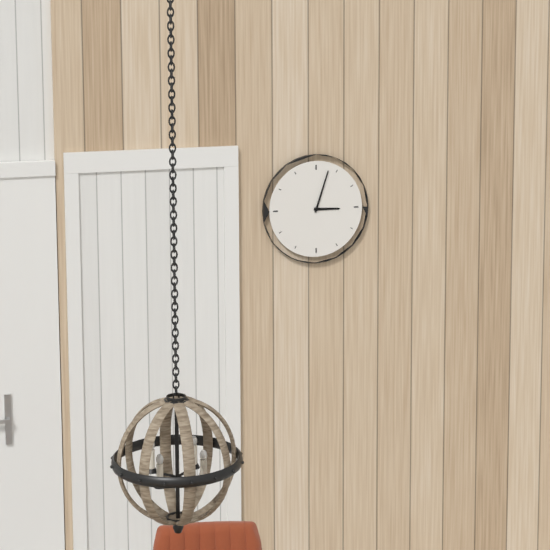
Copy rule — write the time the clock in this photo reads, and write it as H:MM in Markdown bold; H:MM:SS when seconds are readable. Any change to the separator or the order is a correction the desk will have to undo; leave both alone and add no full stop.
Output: **3:03**
